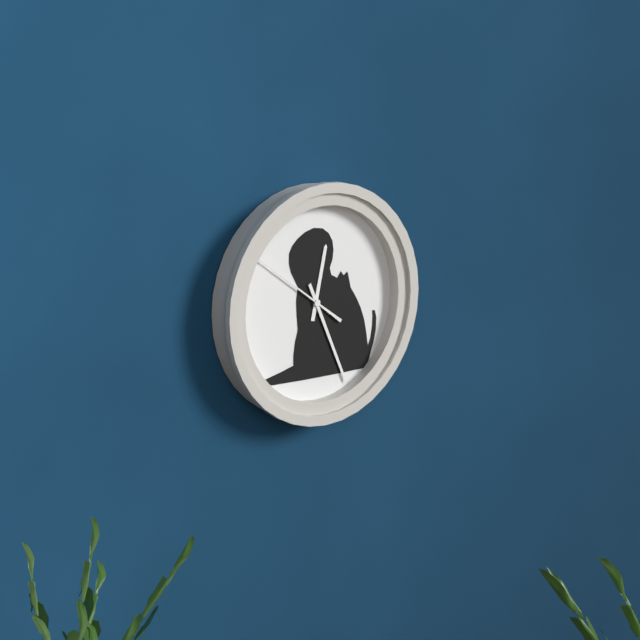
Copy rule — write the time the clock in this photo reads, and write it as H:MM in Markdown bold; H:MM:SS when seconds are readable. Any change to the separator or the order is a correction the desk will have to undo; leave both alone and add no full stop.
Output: **12:26:51**
